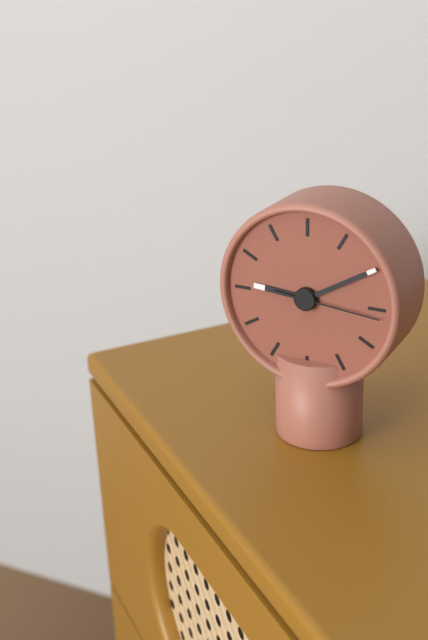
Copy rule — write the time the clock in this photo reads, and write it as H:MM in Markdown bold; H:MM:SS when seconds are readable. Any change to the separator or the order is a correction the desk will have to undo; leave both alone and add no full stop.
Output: **9:10:16**
